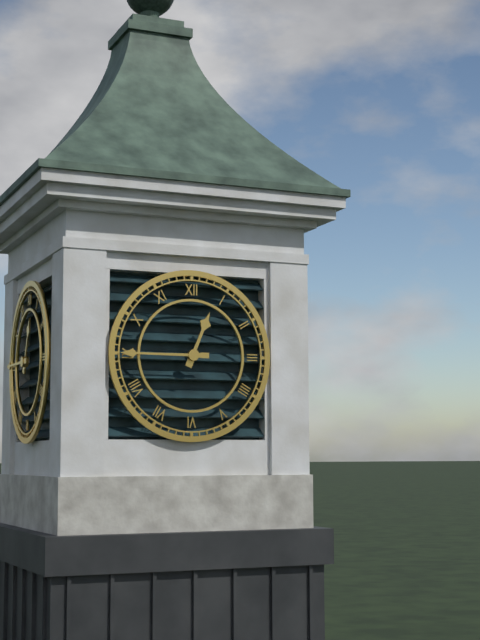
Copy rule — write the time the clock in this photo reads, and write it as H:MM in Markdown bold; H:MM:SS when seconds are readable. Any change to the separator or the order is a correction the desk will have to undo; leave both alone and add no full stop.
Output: **12:45**
